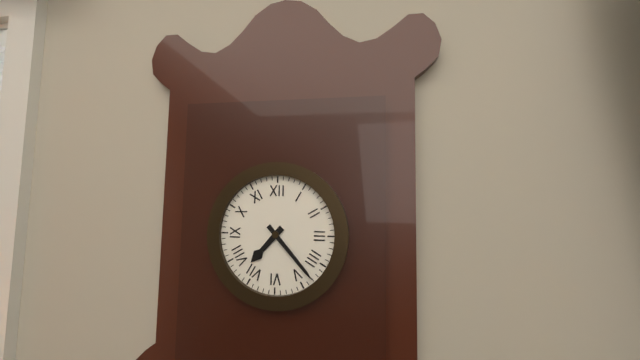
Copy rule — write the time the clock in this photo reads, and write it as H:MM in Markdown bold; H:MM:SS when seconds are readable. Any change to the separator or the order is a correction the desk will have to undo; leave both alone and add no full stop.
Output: **7:23**
